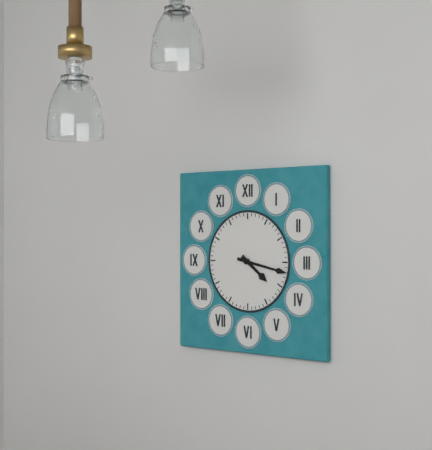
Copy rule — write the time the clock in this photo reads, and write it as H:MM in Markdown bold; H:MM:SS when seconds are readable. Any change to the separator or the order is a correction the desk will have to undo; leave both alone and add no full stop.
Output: **4:17**
